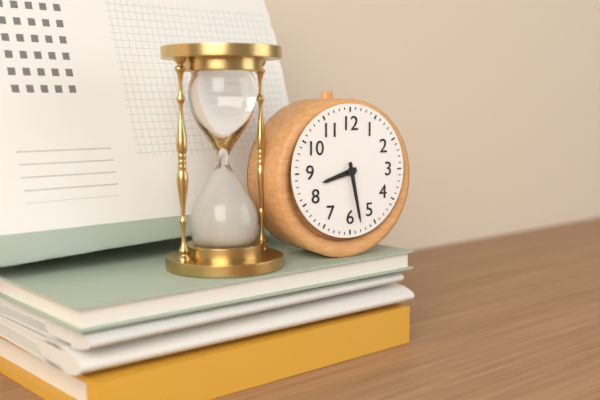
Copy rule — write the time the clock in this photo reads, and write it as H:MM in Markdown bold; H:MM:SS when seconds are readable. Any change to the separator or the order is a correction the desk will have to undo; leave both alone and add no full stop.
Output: **8:28**
